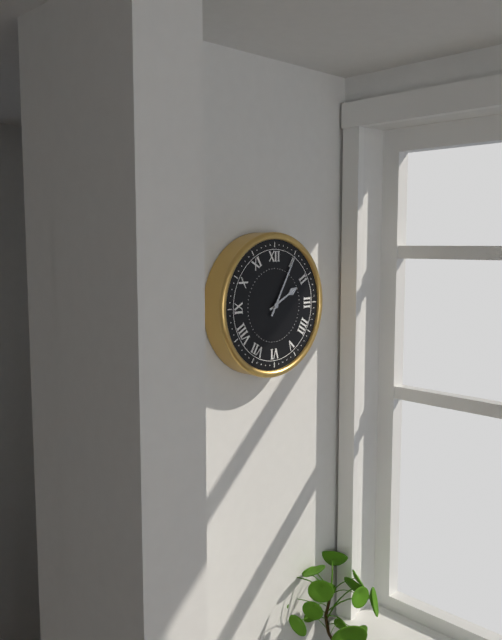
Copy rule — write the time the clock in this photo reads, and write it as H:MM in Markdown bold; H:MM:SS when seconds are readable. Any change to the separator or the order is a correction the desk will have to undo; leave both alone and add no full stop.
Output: **2:05**
